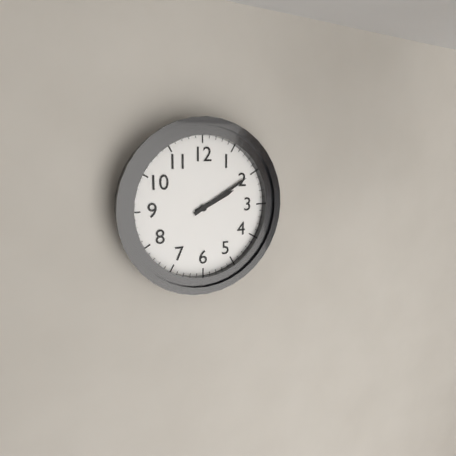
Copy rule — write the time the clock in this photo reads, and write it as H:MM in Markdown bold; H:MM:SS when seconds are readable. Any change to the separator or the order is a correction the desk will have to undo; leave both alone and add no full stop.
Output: **2:10**
